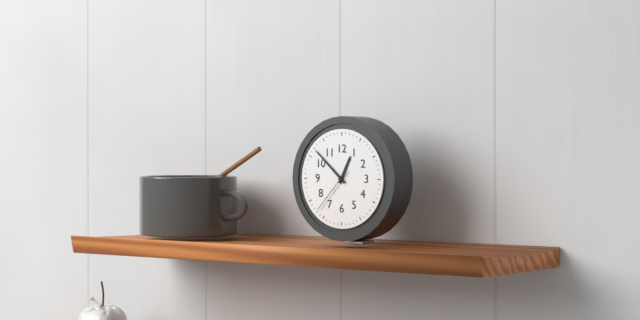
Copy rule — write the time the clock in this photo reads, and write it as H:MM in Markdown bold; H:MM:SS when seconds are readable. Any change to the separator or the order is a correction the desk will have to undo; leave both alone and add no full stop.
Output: **12:52:37**
